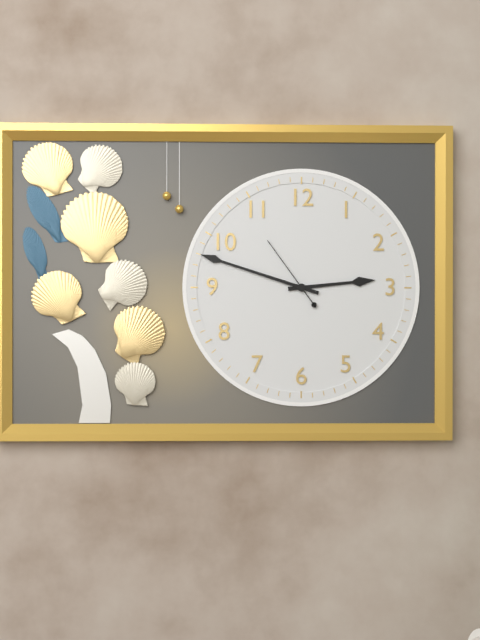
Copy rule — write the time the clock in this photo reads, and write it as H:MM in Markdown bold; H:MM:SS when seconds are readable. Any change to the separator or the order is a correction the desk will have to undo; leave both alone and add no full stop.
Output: **2:48:54**
